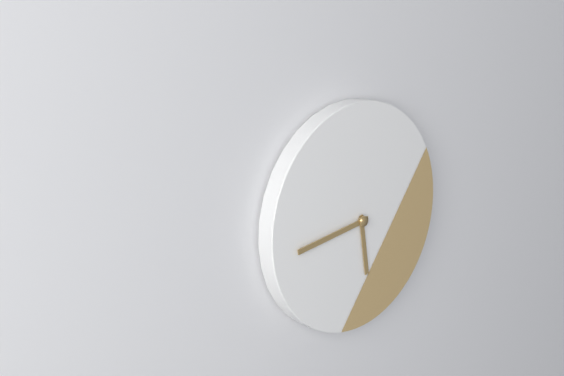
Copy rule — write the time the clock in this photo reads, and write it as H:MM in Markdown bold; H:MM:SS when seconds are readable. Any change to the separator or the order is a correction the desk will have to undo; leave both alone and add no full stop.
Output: **5:44**
